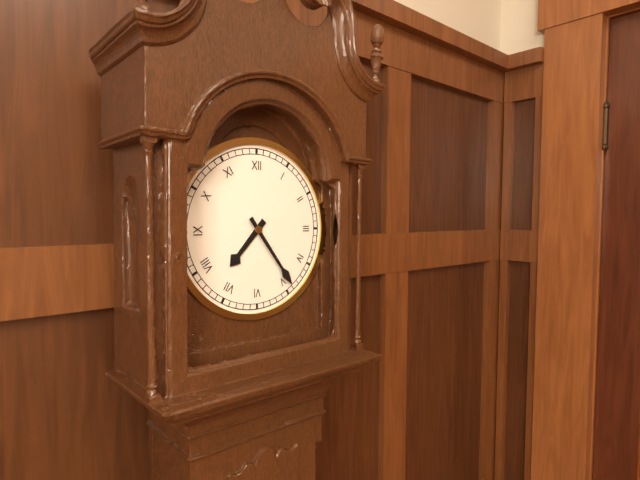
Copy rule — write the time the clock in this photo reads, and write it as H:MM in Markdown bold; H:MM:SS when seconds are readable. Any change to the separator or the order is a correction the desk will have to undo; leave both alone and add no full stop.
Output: **7:24**
